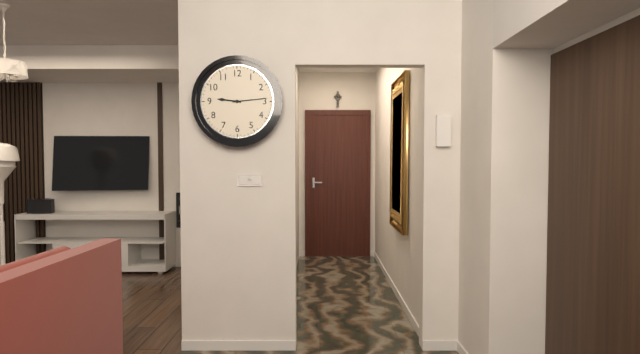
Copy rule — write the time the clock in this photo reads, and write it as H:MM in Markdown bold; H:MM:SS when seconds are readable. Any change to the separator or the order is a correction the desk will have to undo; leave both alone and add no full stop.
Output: **9:14**
